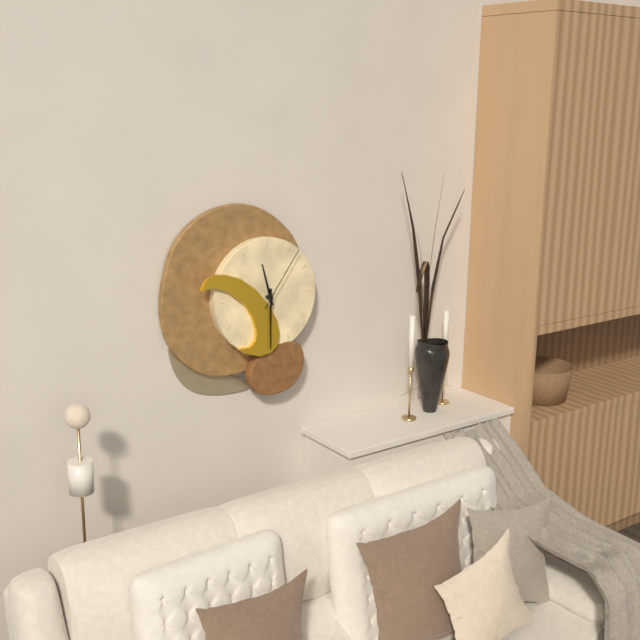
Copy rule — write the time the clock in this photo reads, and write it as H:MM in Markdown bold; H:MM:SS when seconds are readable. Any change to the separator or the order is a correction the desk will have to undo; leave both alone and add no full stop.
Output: **11:30:06**
